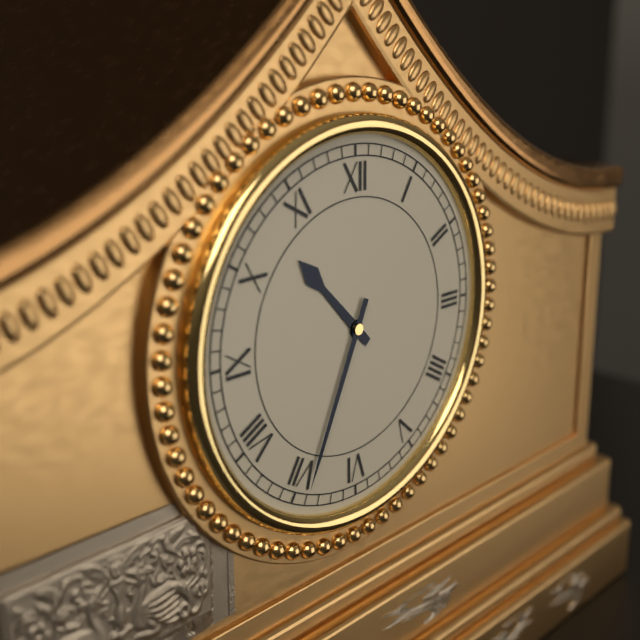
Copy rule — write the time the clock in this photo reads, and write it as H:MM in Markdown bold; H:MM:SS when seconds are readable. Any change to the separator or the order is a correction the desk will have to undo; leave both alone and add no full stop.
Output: **10:34**
